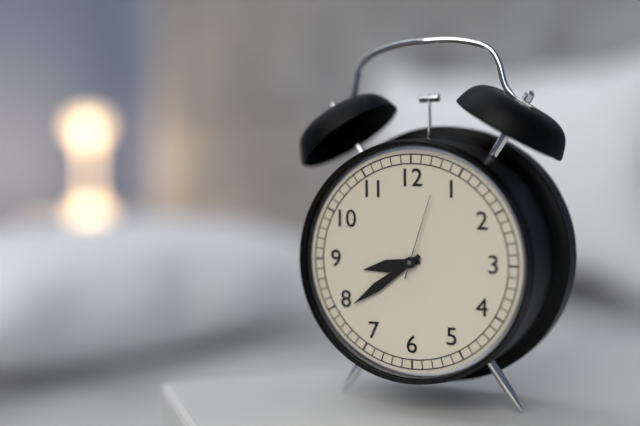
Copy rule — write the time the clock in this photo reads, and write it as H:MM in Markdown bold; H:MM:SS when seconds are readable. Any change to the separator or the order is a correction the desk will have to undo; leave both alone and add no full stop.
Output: **8:39:03**
